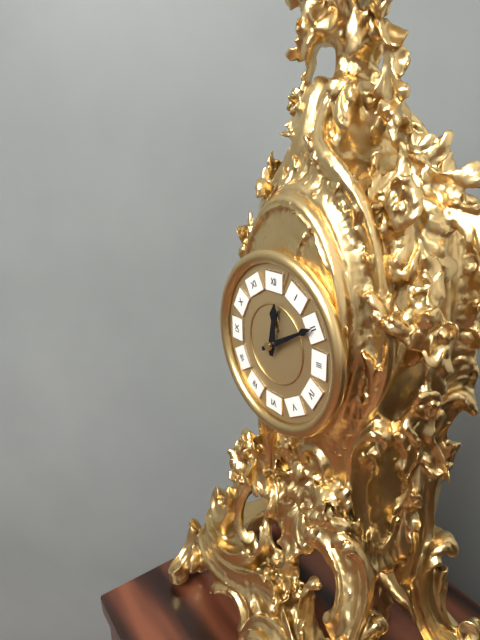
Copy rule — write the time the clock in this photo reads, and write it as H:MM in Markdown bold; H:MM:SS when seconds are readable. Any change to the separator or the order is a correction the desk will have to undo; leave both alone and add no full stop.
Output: **12:10**
